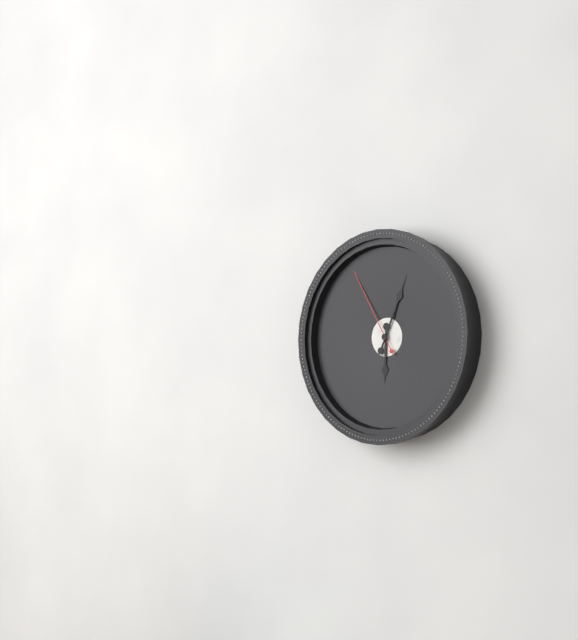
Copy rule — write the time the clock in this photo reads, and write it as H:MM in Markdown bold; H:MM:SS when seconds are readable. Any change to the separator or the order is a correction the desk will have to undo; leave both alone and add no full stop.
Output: **6:04:55**
